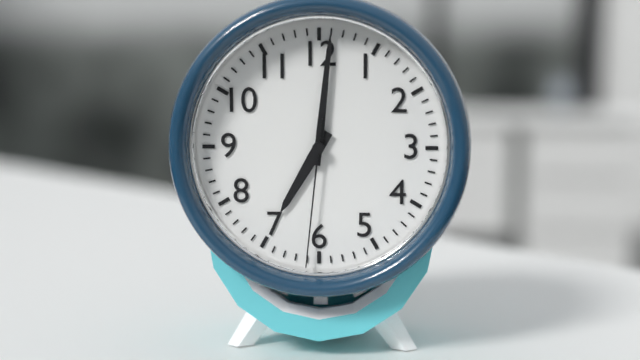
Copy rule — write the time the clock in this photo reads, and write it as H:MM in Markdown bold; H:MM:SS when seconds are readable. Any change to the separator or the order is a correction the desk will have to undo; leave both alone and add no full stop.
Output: **7:01:31**
